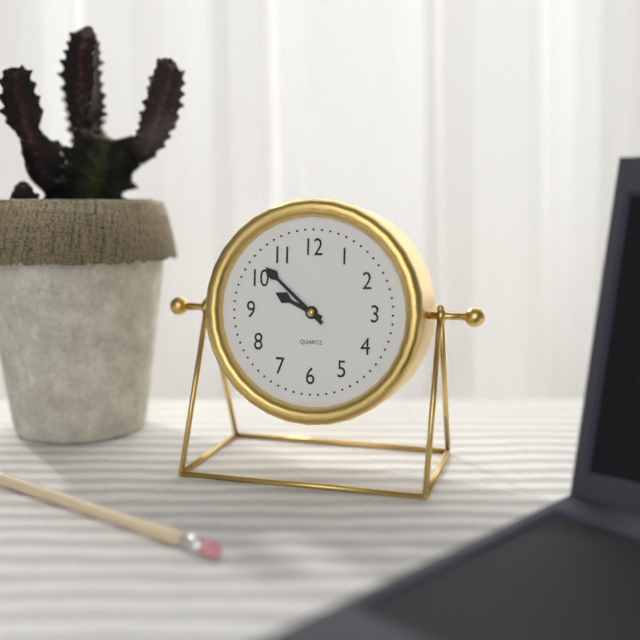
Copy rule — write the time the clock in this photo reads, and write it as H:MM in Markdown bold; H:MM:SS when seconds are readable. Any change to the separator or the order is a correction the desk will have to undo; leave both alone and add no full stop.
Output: **9:52**
